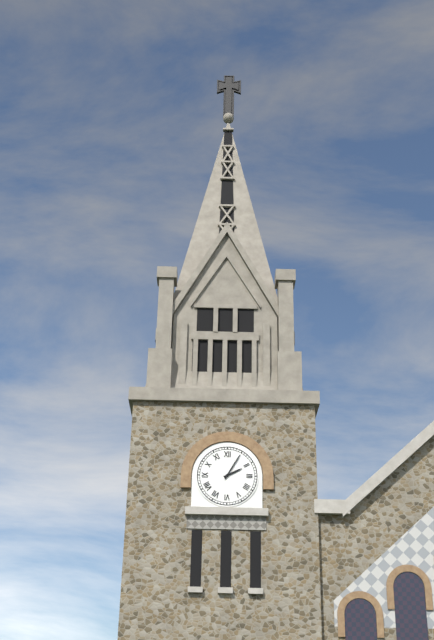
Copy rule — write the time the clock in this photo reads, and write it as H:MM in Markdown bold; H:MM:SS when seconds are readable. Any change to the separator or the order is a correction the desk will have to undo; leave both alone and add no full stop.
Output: **2:05**
